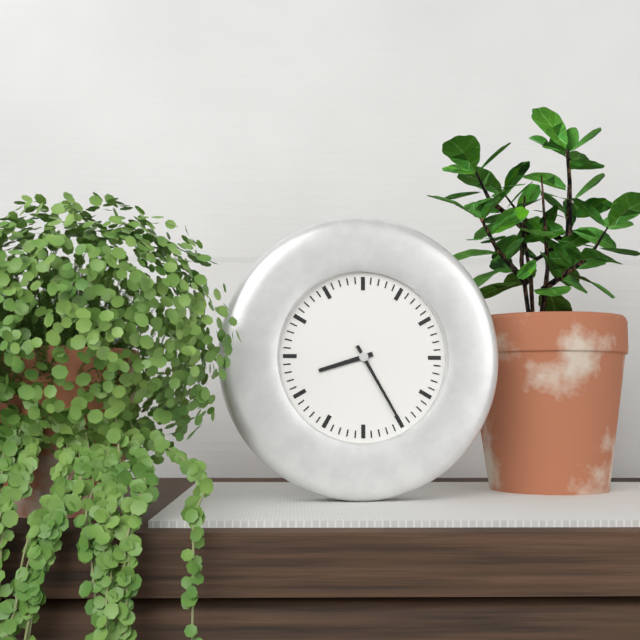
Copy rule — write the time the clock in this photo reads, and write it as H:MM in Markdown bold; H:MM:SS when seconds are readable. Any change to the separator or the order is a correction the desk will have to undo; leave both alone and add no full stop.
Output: **8:25**
